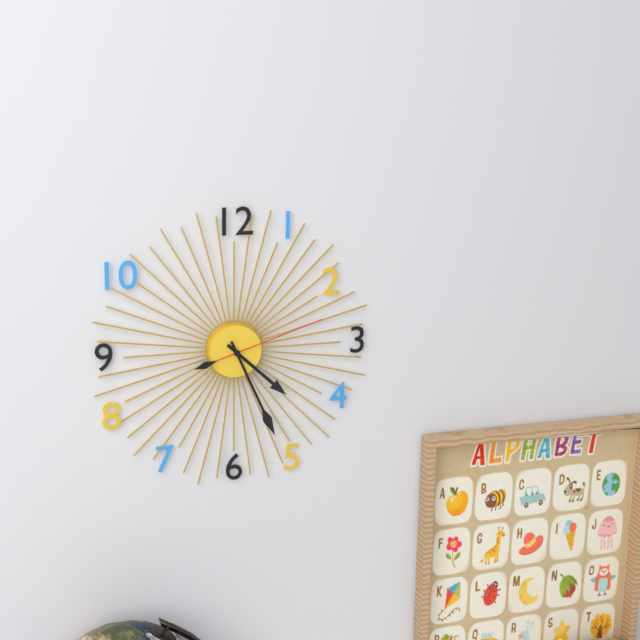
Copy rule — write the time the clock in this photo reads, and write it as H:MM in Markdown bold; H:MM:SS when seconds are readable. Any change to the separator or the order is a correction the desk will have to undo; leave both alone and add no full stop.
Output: **4:26:12**
